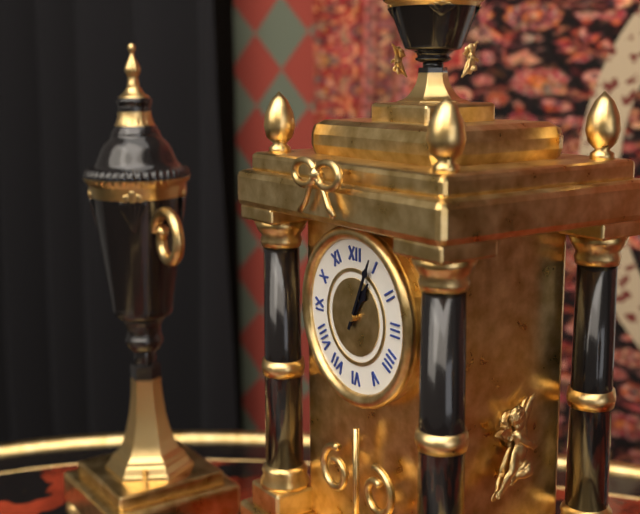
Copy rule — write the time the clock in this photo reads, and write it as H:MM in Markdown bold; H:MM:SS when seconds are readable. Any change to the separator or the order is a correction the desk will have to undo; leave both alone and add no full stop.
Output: **1:04**
